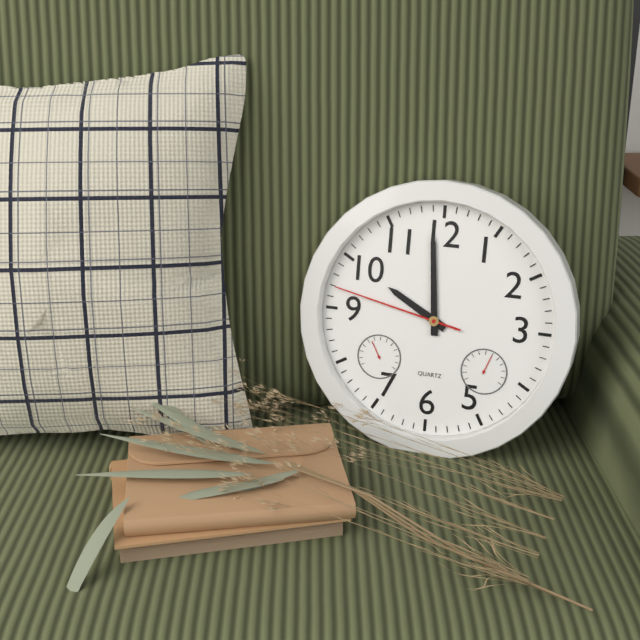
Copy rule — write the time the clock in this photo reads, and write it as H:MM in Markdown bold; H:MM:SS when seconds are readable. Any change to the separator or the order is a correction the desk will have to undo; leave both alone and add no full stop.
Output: **9:59:47**
